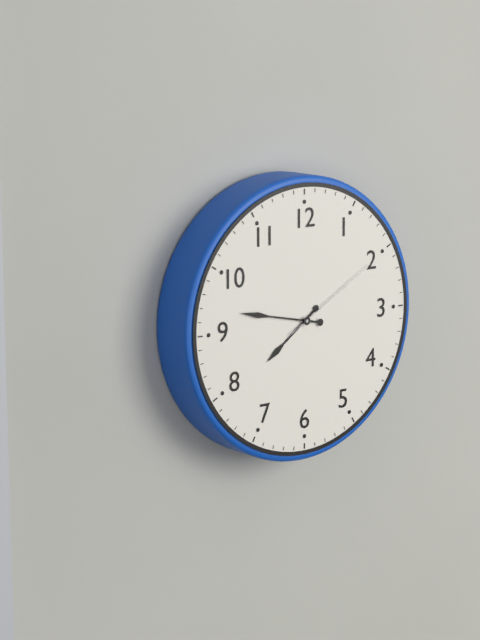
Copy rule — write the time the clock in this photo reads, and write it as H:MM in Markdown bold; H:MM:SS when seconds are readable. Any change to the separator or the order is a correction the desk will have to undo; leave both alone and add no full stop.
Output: **7:47:10**
